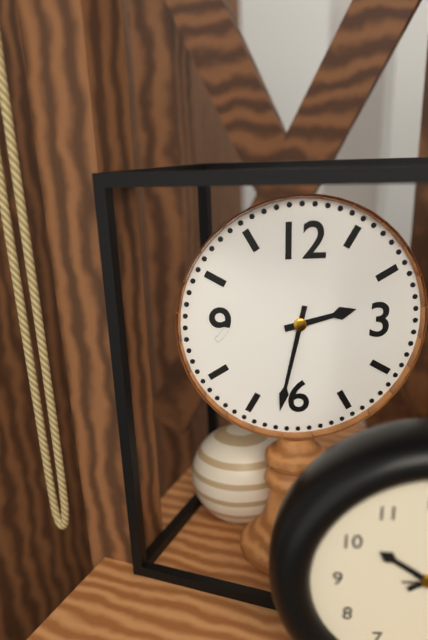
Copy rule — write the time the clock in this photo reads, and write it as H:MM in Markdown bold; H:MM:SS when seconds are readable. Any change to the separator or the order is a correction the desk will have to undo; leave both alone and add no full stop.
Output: **2:32**
